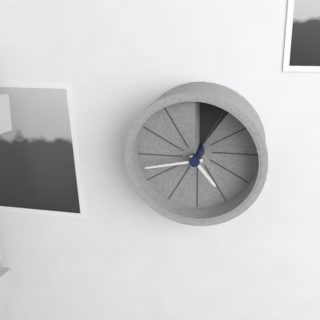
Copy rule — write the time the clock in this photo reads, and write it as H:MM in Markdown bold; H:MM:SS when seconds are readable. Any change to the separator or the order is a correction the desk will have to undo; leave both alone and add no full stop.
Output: **4:43**
